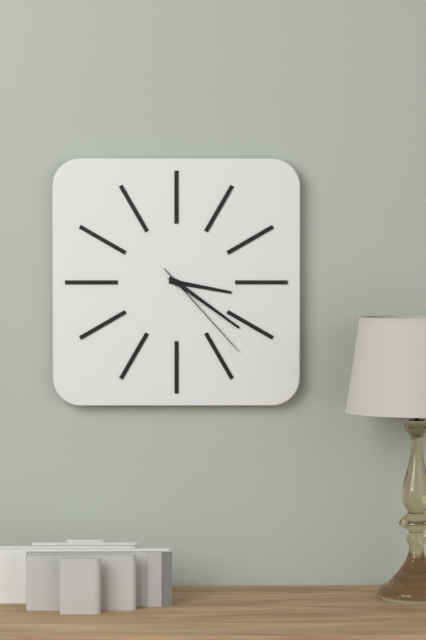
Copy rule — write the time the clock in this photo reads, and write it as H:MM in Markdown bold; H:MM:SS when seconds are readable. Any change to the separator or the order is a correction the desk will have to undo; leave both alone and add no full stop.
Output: **3:21:23**
